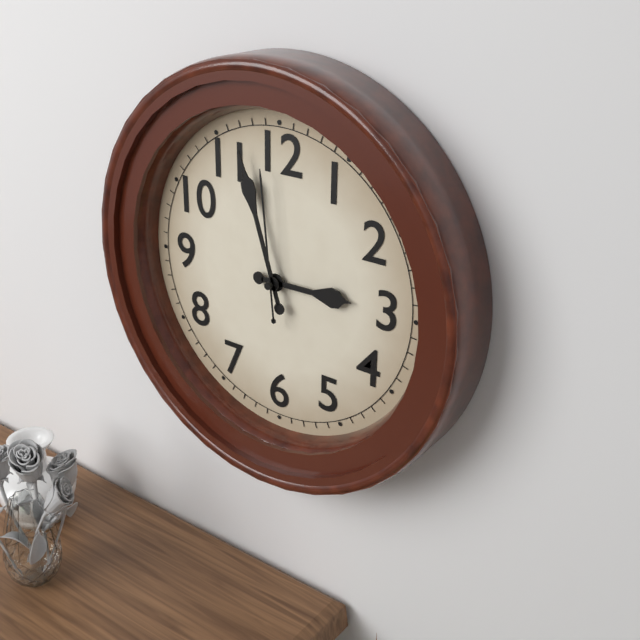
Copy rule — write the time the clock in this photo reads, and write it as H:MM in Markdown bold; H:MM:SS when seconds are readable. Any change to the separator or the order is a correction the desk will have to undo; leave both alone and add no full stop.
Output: **2:57:59**
